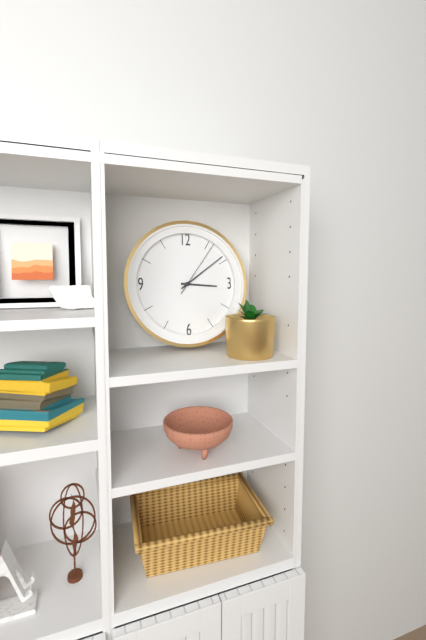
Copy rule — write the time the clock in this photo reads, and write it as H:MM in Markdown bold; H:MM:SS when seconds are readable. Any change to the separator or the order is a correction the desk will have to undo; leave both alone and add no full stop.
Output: **3:09:06**
